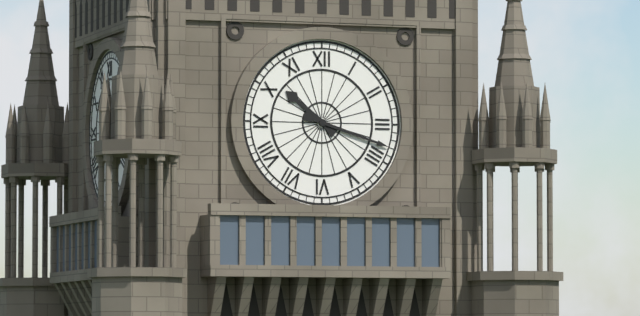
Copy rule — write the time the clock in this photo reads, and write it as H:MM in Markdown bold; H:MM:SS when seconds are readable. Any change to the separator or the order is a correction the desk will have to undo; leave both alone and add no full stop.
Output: **10:18**
